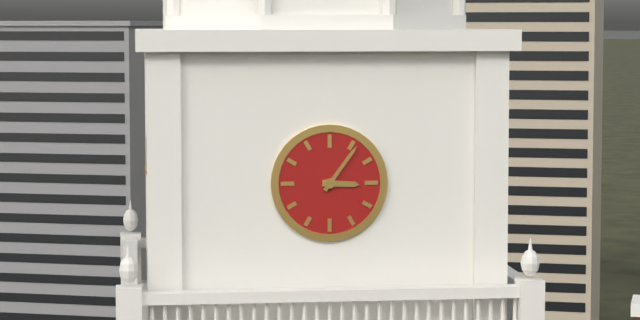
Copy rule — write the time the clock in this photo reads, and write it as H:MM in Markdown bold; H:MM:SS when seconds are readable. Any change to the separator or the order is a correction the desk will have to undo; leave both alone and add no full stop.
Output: **3:06**
